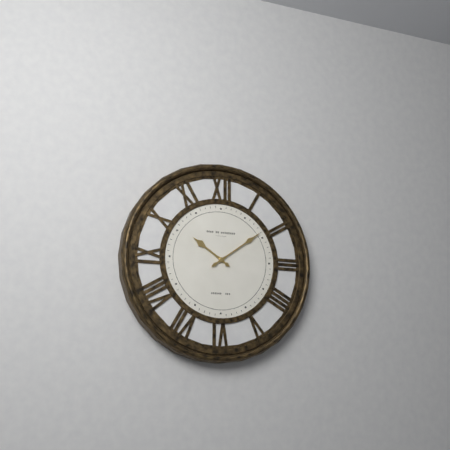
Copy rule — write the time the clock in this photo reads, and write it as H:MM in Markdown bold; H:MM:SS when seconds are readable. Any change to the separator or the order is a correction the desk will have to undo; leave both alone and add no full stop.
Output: **10:09**
